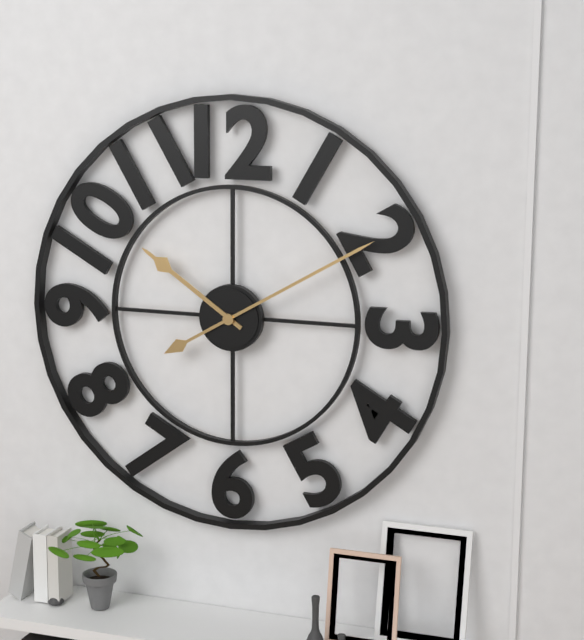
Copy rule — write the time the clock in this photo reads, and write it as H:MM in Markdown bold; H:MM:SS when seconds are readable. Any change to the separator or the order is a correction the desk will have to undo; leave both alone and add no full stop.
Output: **10:10**
